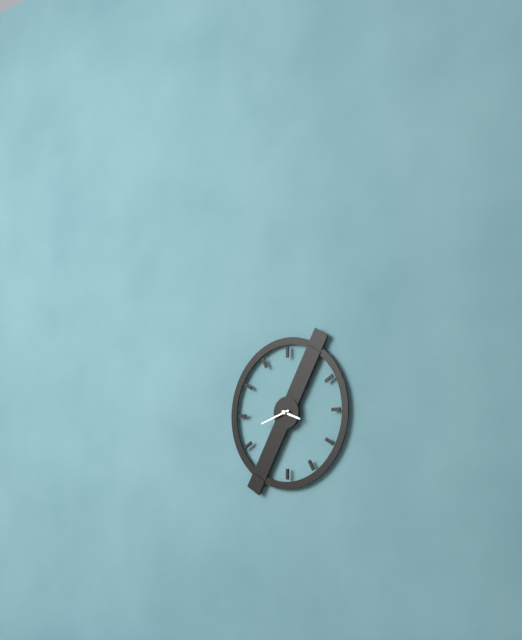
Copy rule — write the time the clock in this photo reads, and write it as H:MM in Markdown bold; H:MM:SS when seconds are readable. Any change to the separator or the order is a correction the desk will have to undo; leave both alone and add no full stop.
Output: **3:42**
